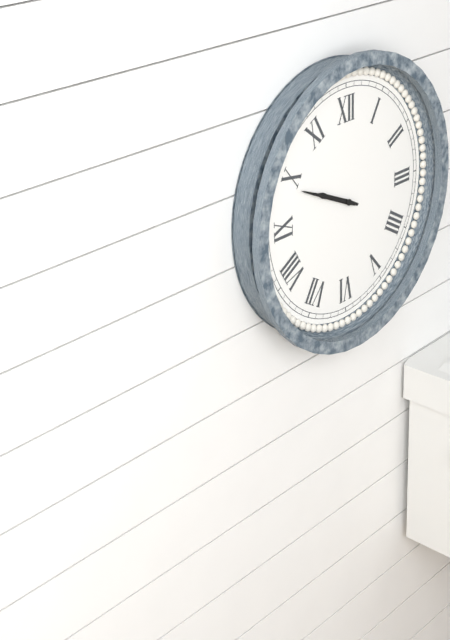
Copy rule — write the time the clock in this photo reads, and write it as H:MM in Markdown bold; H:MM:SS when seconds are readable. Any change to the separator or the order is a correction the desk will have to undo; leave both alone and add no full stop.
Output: **9:49**
